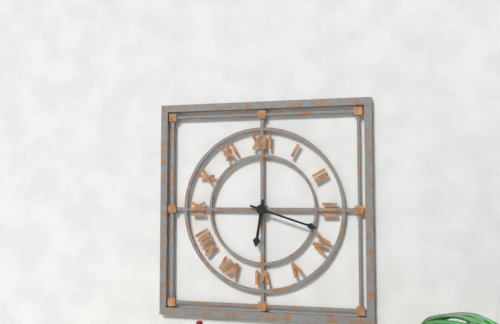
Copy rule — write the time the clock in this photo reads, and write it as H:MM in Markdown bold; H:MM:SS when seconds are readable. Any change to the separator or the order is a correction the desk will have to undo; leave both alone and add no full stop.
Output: **6:18**
